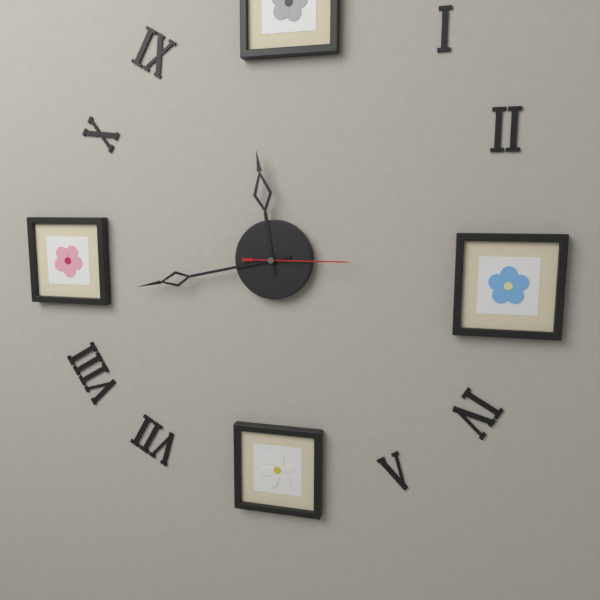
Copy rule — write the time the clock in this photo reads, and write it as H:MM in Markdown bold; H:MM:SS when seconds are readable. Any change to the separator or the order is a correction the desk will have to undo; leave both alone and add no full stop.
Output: **11:43:15**
